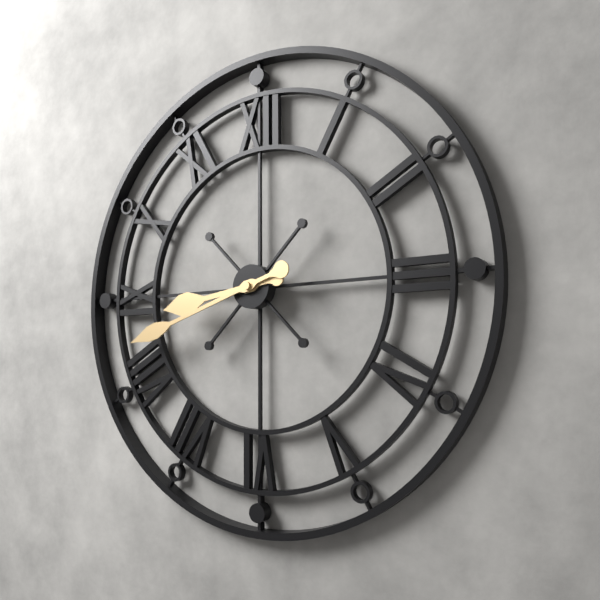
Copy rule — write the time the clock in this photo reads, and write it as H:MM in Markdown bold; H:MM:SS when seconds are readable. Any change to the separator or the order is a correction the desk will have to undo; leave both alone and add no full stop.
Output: **8:42**
